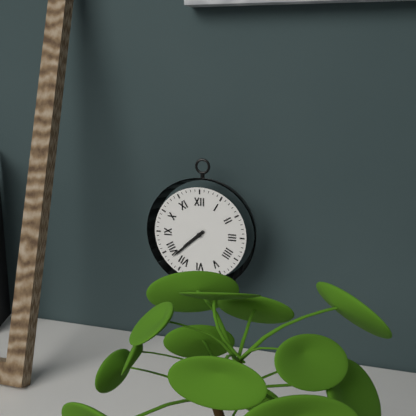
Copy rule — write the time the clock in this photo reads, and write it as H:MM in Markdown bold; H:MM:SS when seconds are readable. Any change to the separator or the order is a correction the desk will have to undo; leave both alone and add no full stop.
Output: **7:38**
